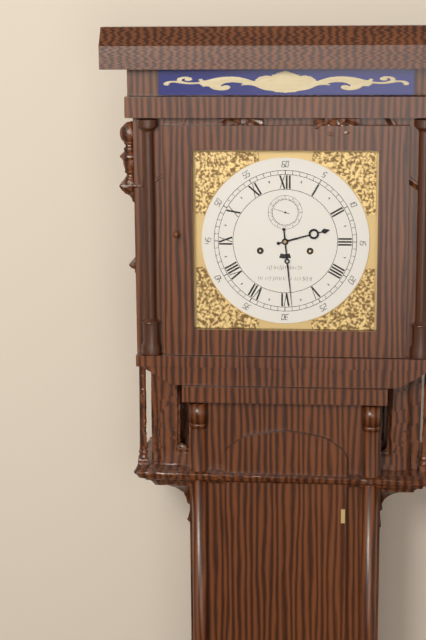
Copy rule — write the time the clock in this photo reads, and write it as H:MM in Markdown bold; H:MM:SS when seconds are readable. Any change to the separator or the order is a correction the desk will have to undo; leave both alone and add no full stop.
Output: **2:29**
